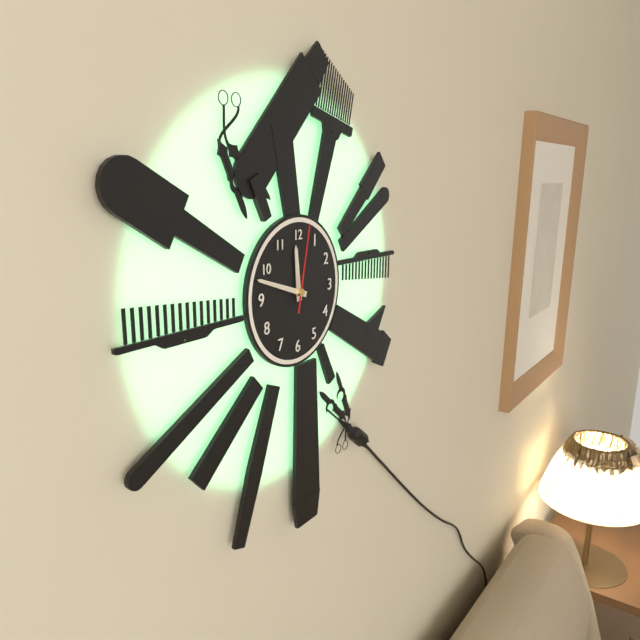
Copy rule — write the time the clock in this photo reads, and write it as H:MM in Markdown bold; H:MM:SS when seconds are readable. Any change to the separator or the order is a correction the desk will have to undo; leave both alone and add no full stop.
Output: **11:48:02**
